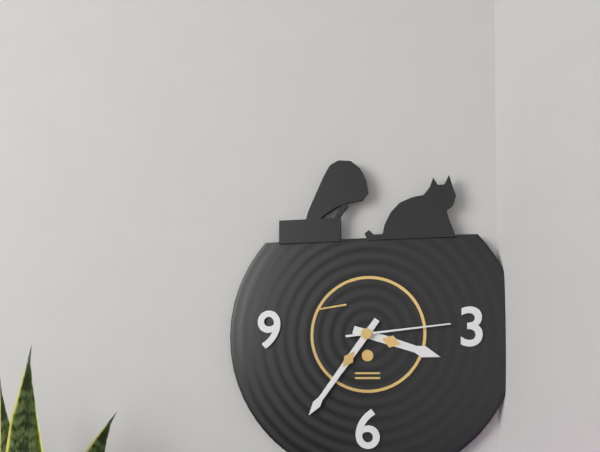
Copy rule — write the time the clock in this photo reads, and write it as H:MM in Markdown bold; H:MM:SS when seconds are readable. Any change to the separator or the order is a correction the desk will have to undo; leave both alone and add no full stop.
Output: **3:36:14**
